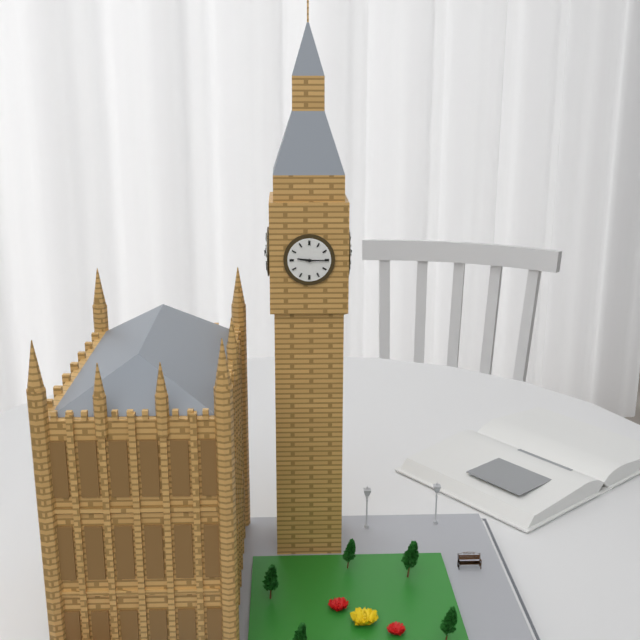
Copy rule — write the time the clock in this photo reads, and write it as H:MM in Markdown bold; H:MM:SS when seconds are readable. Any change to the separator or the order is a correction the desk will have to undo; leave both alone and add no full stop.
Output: **9:15**
